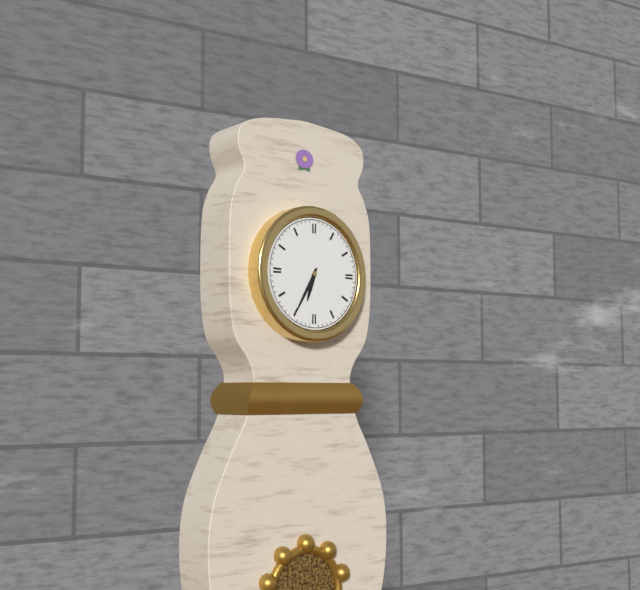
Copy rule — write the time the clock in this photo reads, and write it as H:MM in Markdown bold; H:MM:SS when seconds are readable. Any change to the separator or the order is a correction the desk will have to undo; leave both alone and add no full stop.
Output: **6:35**
